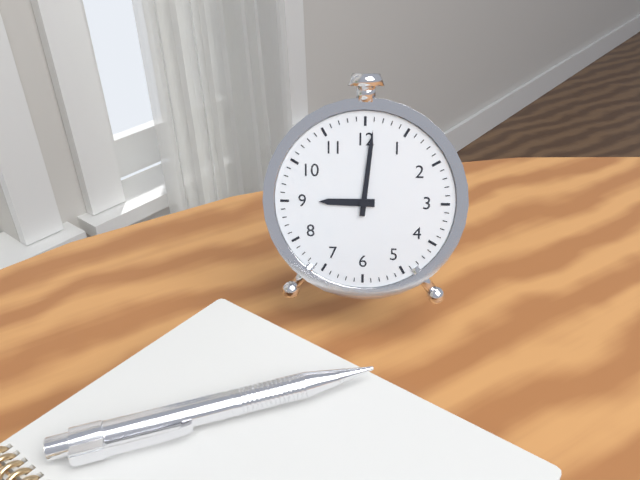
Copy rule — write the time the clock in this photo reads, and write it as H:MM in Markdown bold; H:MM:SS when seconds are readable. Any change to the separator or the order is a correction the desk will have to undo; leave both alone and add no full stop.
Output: **9:01**
